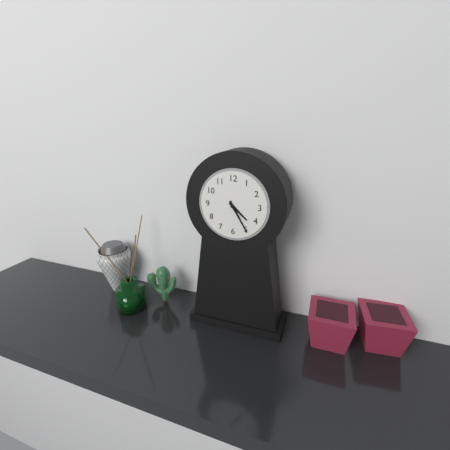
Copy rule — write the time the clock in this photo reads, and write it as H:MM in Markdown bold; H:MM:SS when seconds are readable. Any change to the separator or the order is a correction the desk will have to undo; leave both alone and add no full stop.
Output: **4:25**
